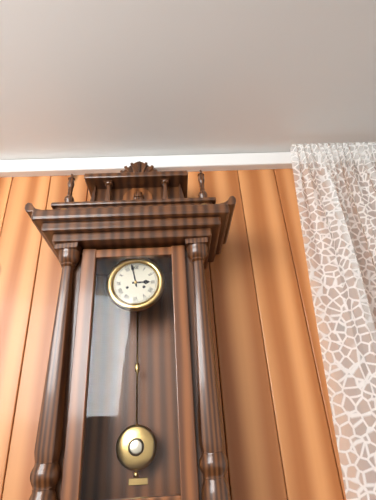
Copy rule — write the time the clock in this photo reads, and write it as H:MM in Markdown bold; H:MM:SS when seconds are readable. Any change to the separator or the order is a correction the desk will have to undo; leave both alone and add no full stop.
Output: **2:58**
